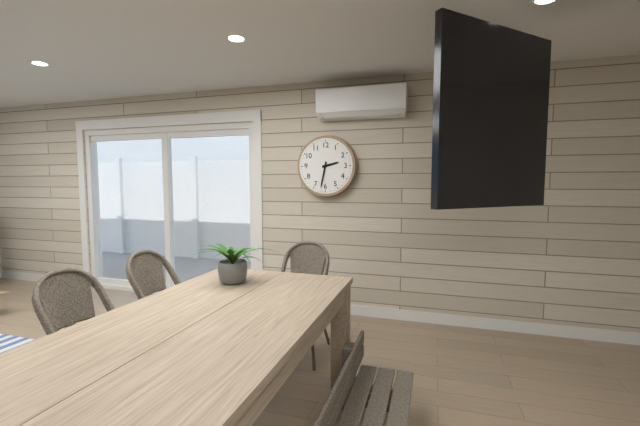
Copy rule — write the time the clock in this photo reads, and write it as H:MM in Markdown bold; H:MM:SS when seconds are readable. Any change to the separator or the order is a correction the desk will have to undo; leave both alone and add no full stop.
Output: **2:32**
